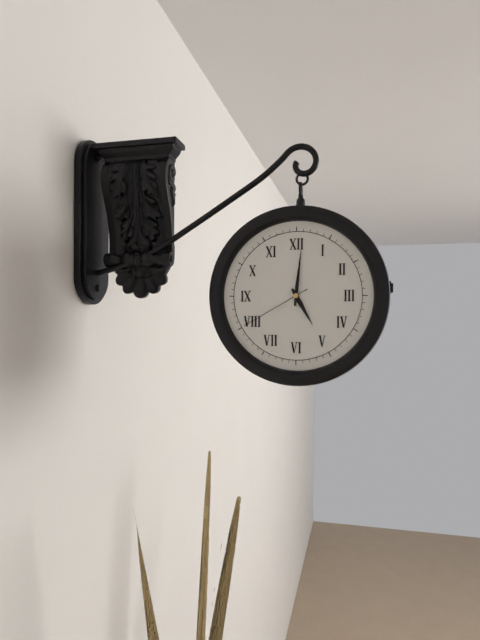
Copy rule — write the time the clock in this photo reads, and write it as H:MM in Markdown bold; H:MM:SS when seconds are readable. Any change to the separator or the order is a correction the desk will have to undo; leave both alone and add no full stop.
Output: **5:01:40**
